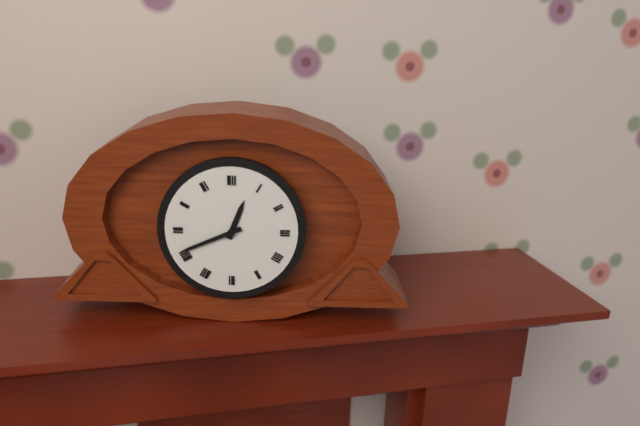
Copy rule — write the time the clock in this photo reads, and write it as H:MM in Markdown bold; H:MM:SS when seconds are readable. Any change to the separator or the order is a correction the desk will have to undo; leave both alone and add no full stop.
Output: **12:41**
